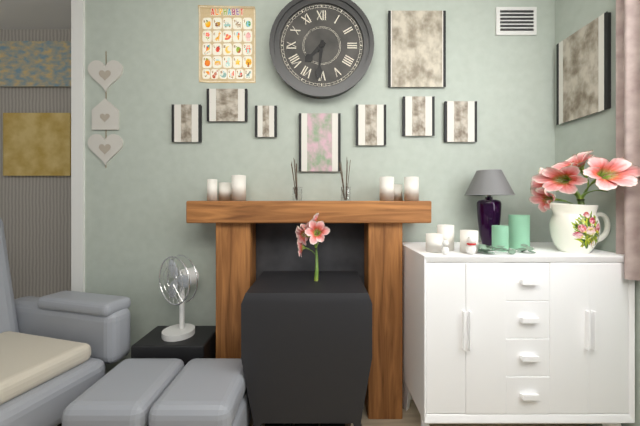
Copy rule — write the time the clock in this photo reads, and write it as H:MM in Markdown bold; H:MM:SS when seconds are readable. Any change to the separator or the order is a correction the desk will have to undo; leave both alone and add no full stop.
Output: **7:31**
